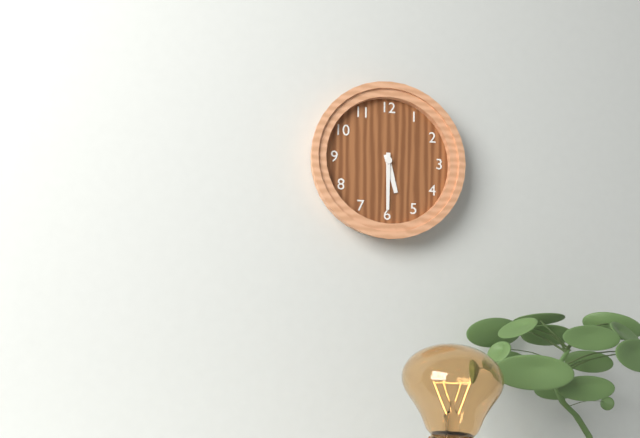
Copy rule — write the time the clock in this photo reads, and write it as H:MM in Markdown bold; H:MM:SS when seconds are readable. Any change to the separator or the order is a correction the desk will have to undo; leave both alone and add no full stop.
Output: **5:30**
